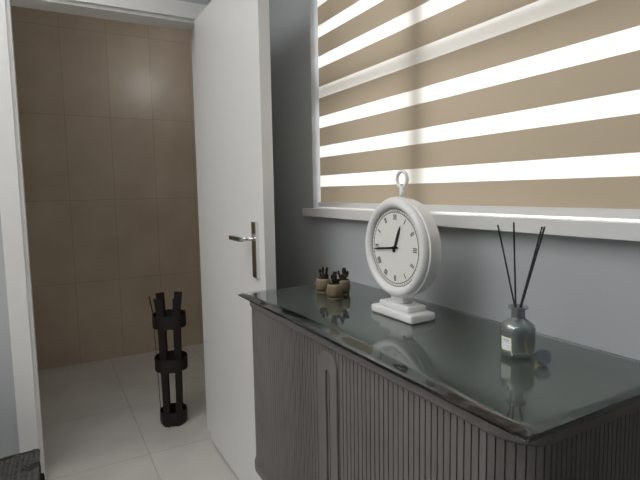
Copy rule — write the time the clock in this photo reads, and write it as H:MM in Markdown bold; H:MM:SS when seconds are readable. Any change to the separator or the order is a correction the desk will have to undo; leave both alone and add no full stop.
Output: **12:44**
